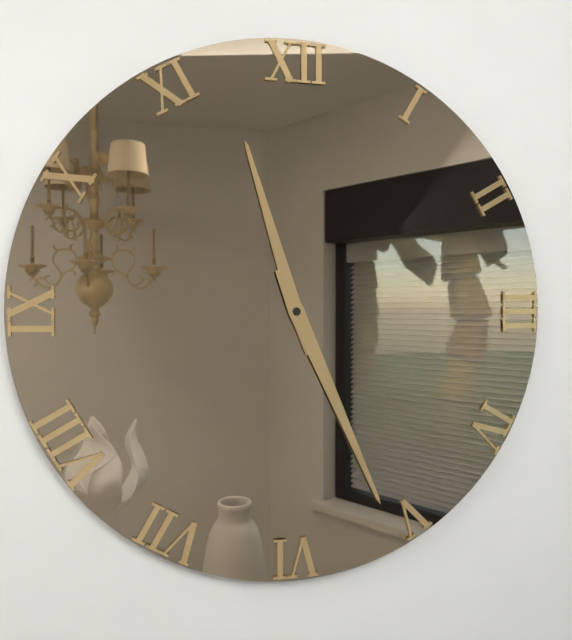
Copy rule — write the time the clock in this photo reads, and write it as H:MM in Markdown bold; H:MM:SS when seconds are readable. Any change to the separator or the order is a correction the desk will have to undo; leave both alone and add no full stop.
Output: **11:26**
